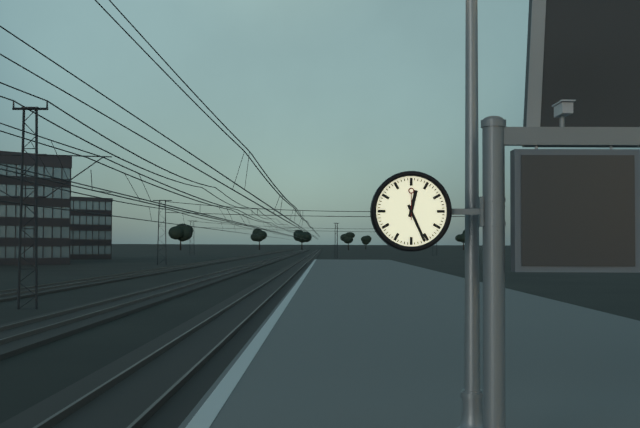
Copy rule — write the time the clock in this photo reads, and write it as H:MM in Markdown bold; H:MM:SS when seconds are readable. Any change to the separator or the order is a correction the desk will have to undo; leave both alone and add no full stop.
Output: **12:26**
